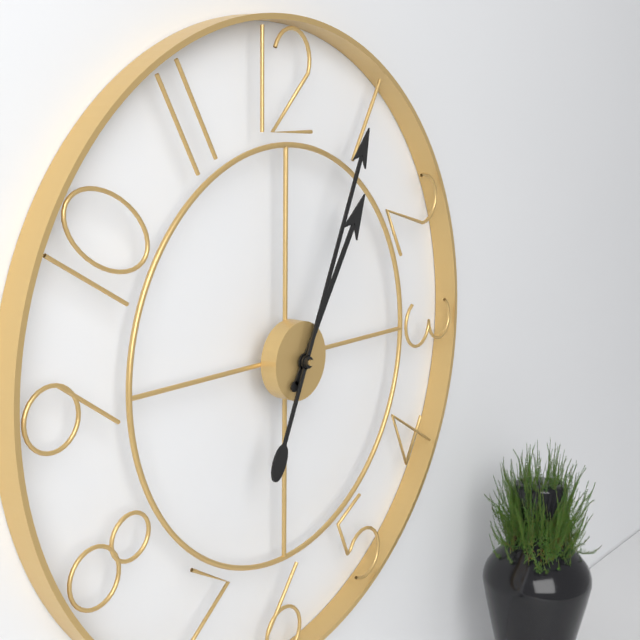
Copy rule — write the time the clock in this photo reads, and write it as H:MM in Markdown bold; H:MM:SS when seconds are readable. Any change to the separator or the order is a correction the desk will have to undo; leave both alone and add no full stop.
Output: **1:04**
